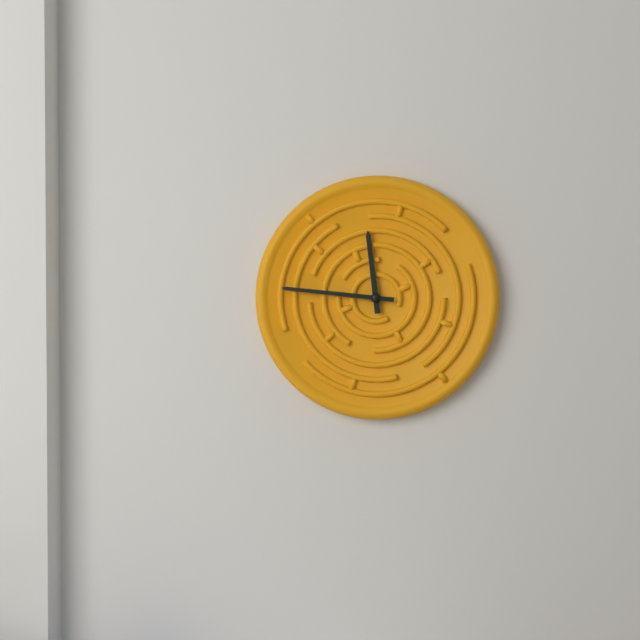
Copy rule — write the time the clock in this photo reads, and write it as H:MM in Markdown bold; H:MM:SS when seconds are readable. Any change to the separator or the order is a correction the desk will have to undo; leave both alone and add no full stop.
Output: **11:46**
